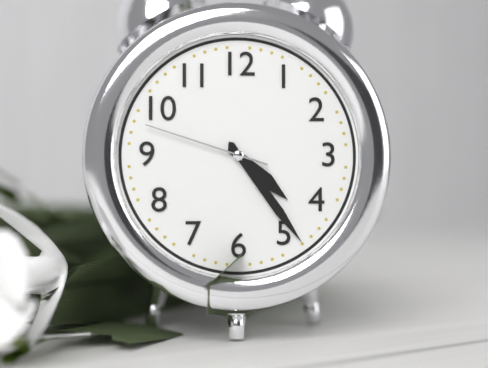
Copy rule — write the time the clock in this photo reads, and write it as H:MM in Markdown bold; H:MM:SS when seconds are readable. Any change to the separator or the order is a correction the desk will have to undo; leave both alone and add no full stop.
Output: **4:24:48**
